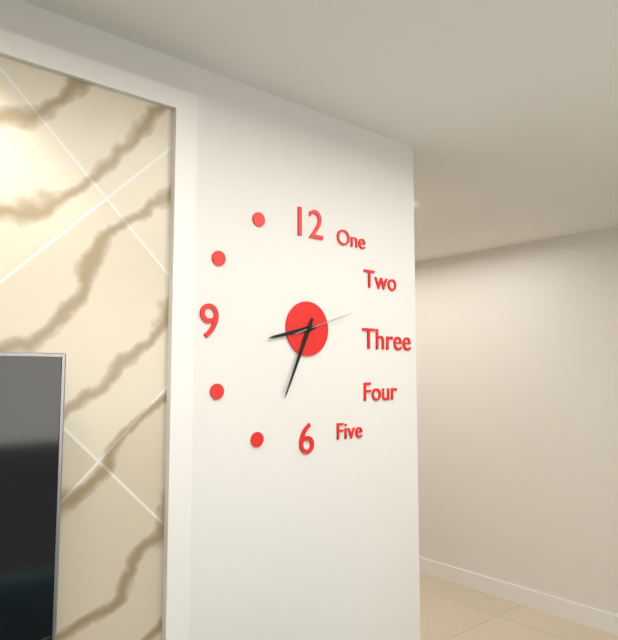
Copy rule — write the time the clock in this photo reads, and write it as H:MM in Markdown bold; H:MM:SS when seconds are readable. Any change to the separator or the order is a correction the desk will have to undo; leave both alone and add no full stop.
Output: **8:34:12**
